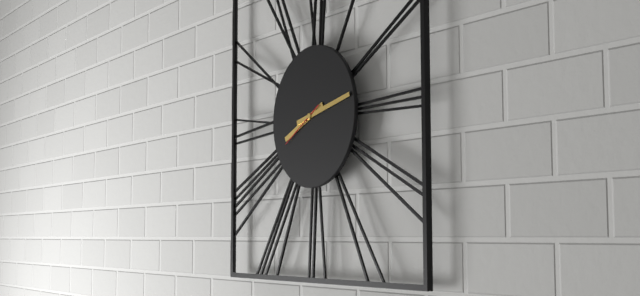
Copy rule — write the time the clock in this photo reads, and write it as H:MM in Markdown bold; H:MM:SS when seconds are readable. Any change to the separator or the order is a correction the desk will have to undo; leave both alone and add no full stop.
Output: **8:13**
